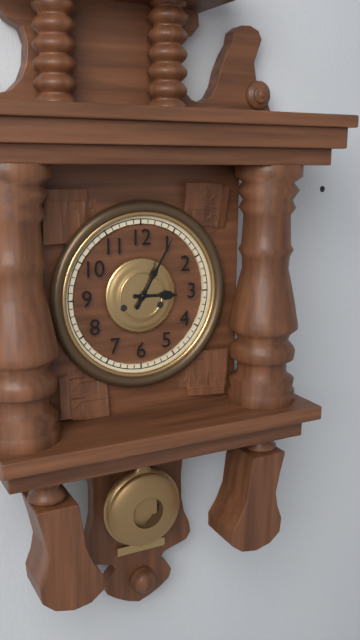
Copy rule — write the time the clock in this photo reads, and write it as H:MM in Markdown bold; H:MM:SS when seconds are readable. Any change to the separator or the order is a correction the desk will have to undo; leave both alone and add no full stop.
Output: **3:05**
